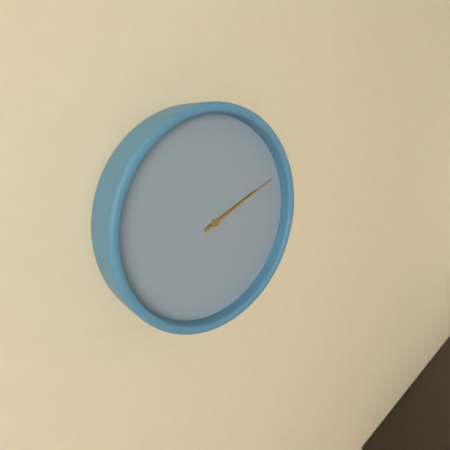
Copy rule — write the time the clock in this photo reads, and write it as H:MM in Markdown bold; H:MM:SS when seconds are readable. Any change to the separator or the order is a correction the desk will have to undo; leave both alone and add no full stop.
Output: **2:11**
